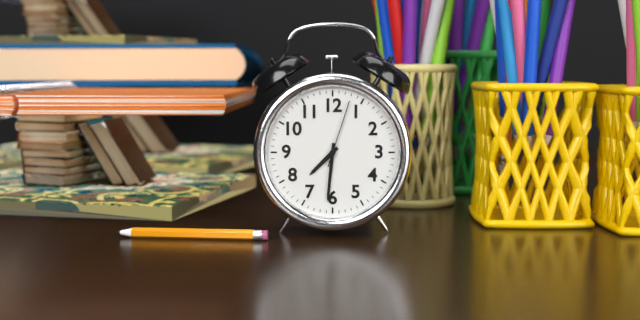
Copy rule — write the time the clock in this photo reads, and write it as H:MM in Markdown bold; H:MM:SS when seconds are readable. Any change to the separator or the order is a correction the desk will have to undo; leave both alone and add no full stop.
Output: **7:31:03**
